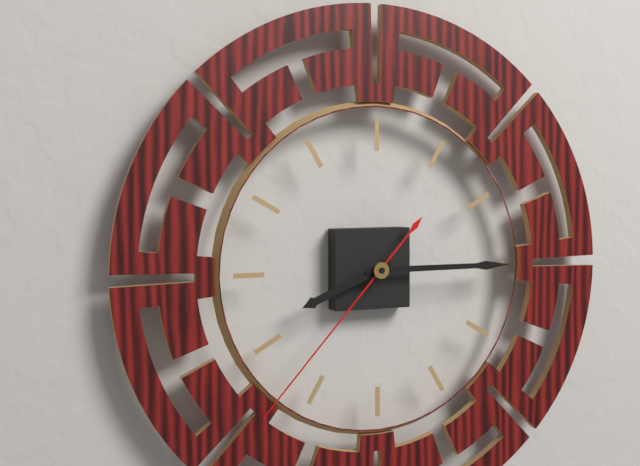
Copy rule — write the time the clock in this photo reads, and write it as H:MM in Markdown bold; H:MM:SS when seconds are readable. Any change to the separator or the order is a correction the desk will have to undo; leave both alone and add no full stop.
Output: **8:15:37**
